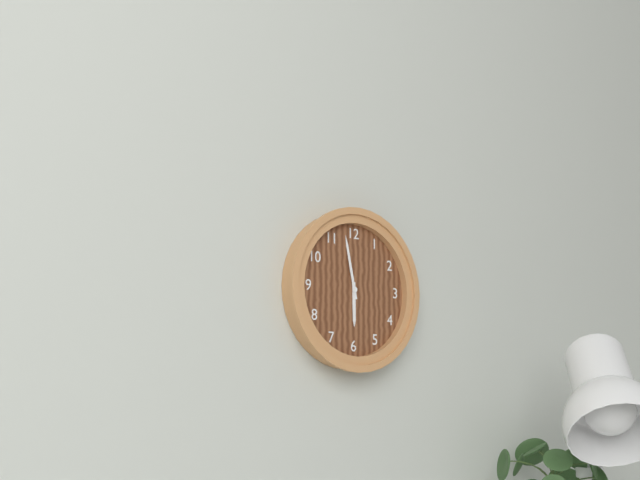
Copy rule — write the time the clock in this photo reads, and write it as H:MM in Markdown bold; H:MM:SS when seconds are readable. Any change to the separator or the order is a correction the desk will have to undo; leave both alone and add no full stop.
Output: **5:58**
